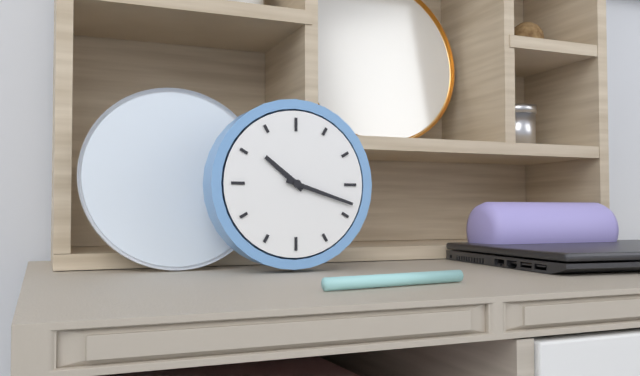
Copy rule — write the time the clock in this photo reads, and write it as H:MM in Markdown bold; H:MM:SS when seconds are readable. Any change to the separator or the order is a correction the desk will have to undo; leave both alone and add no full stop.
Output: **10:18**
